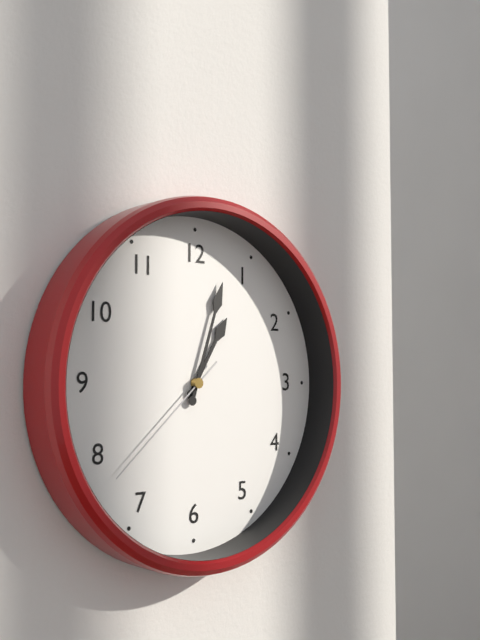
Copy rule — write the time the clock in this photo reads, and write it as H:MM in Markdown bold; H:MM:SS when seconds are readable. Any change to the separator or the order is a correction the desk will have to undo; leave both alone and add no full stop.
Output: **1:03:38**
